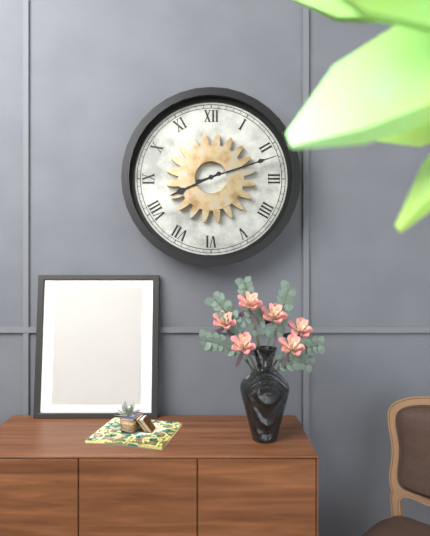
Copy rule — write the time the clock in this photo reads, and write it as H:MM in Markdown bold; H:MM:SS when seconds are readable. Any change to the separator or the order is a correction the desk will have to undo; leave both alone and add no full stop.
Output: **8:12**
